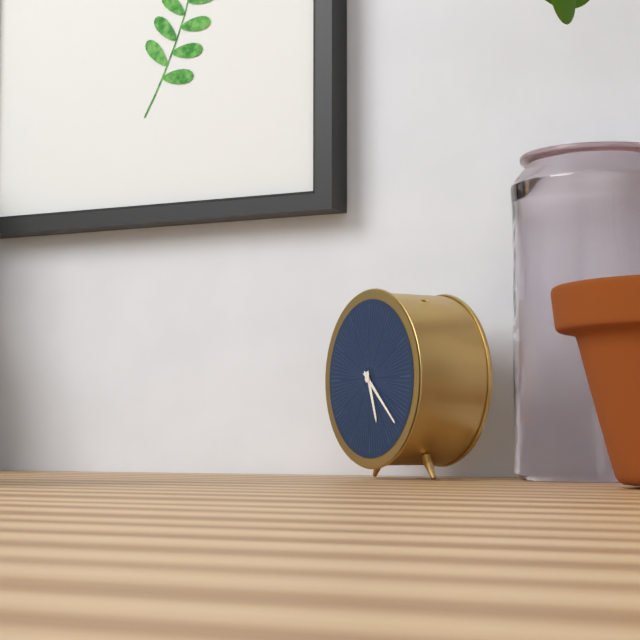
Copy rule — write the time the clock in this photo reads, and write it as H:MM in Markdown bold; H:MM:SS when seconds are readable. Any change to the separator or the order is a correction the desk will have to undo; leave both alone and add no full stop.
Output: **5:22**
